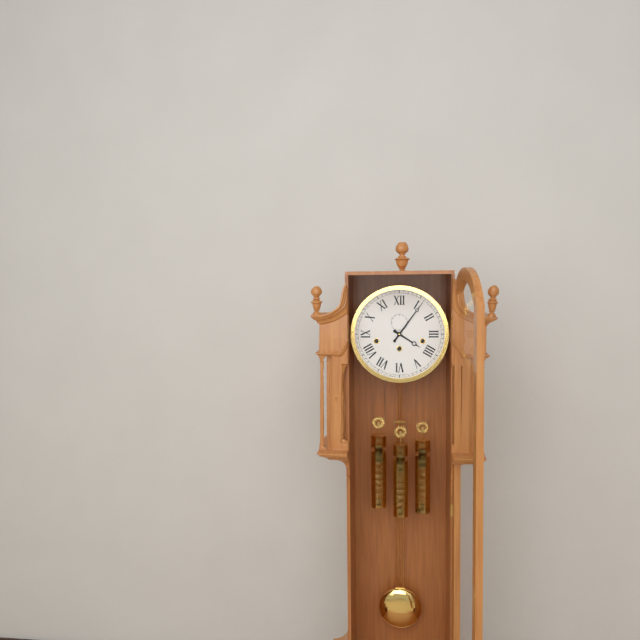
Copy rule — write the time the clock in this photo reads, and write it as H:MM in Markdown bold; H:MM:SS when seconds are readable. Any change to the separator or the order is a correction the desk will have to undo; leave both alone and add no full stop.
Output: **4:06**
